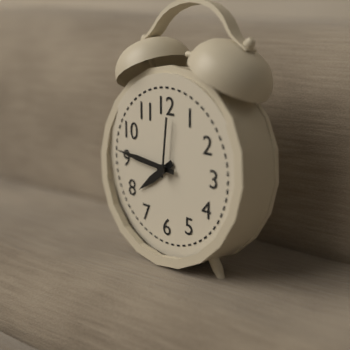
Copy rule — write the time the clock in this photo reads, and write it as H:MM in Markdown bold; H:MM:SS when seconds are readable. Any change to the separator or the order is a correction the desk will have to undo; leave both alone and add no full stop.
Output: **7:46:01**
